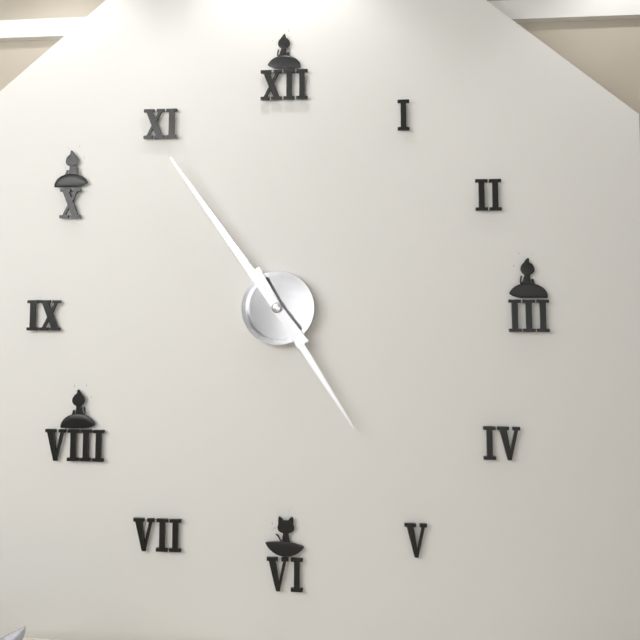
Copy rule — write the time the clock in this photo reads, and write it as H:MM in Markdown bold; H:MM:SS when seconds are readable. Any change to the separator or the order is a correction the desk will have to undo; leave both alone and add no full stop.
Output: **4:54**
